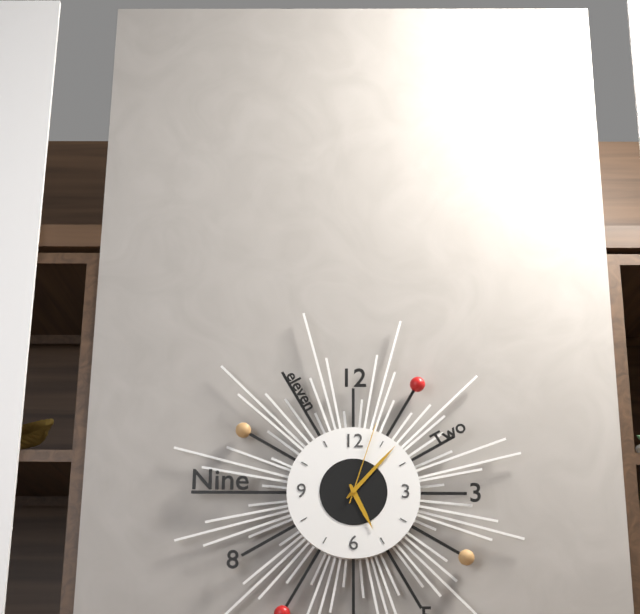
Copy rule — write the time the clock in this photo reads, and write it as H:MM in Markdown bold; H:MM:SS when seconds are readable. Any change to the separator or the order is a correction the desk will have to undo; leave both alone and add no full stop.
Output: **5:07:03**
